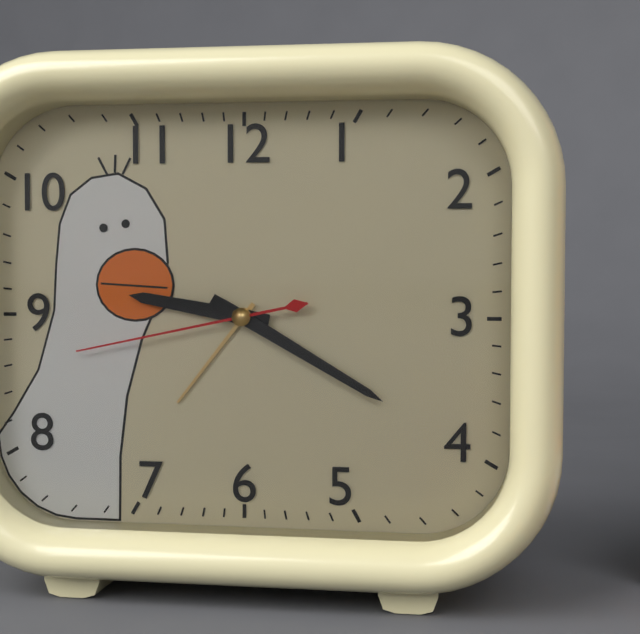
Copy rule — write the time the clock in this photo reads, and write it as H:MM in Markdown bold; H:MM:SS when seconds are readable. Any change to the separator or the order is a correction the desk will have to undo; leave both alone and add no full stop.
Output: **9:20:43**
